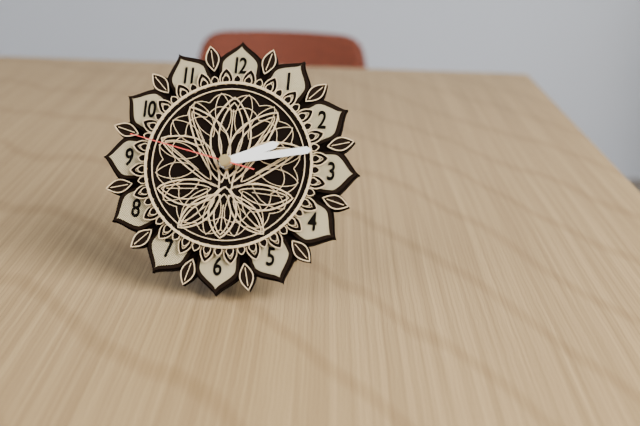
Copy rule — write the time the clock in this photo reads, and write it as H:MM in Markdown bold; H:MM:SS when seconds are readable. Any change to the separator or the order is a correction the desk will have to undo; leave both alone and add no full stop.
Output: **2:13:47**
